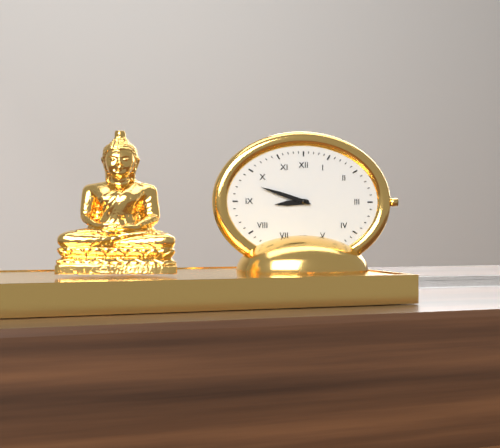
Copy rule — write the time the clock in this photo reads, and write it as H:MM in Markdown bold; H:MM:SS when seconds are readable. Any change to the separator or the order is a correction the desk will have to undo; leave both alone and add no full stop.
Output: **8:48**
